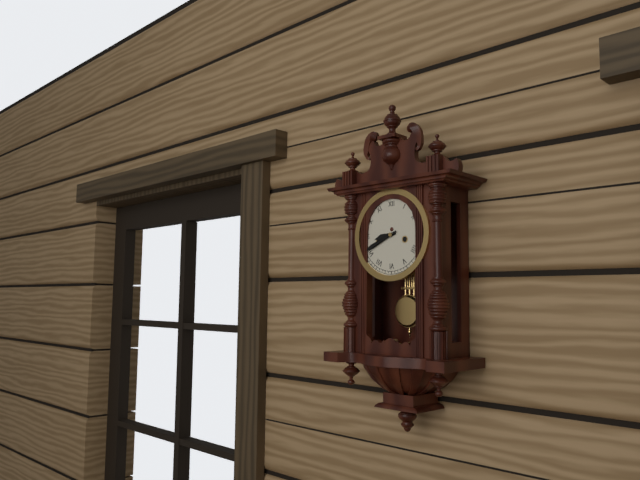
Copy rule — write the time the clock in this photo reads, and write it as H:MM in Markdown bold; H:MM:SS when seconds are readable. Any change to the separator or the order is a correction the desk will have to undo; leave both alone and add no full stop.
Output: **8:41**
